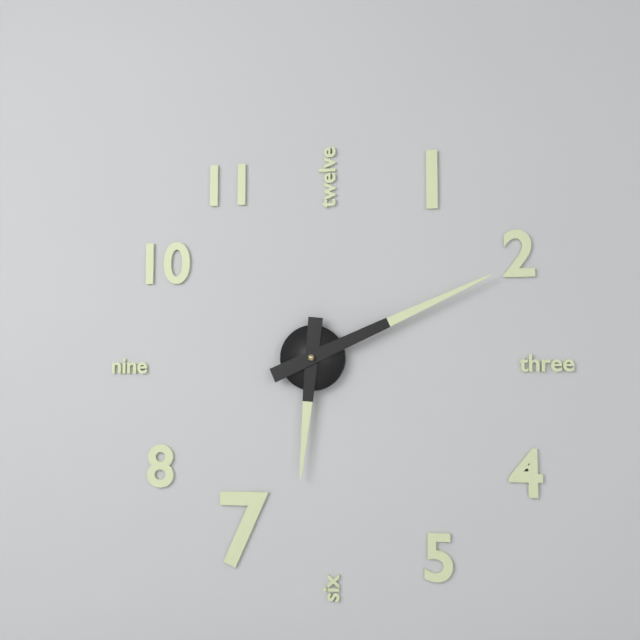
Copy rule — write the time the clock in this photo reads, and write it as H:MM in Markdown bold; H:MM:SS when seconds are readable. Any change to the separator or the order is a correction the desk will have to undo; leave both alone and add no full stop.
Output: **6:11**
